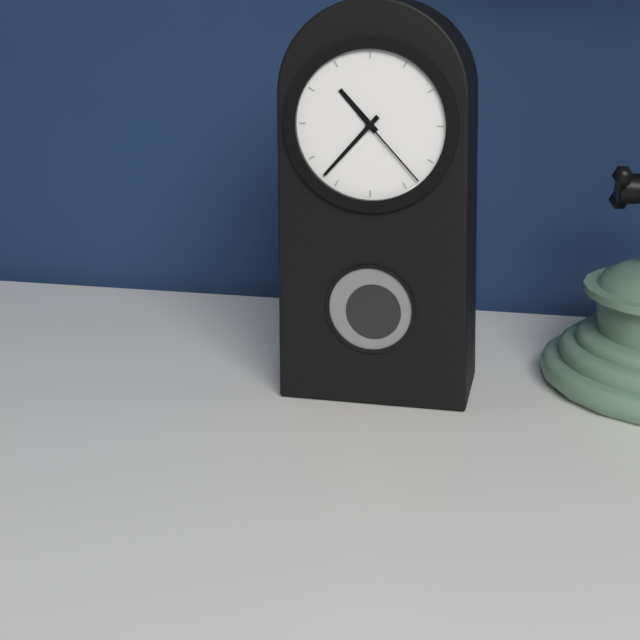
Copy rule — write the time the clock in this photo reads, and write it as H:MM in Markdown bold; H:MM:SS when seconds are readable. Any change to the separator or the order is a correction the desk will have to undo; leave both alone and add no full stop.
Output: **10:37:23**
